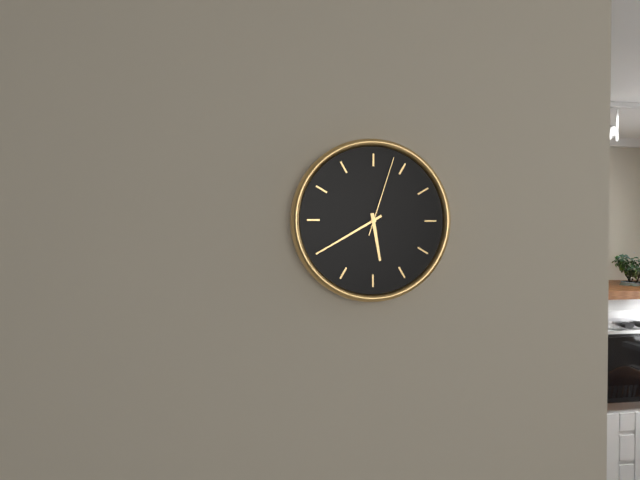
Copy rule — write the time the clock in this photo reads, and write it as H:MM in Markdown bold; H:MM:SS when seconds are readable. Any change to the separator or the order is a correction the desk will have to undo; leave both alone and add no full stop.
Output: **5:40:03**
